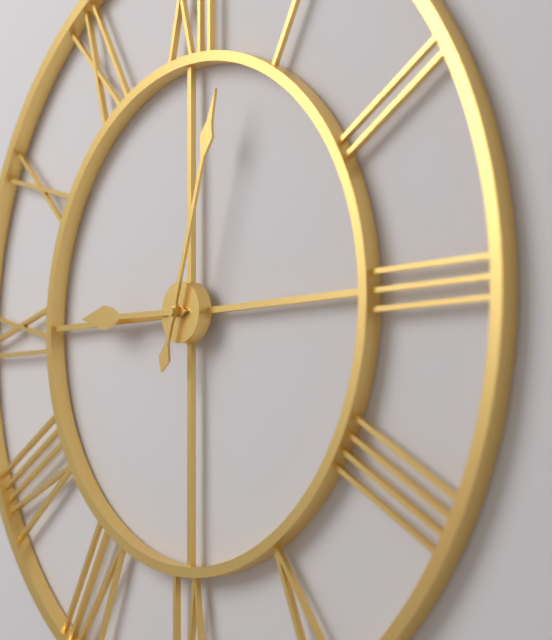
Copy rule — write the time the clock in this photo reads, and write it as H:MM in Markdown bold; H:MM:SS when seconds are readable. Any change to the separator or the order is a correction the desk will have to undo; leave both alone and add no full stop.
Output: **9:03**
